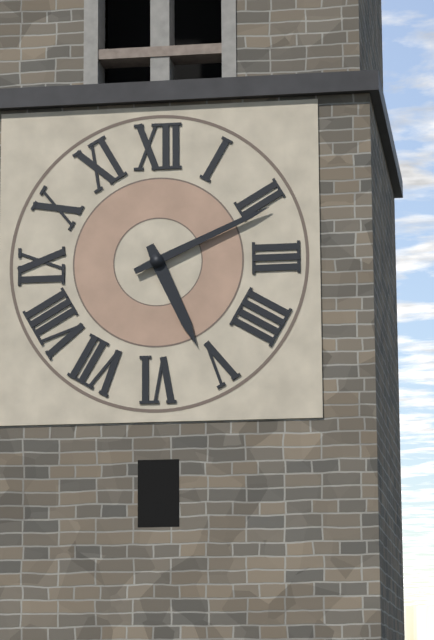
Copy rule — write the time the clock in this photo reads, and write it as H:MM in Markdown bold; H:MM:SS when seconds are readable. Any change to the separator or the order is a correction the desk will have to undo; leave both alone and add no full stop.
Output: **5:11**
